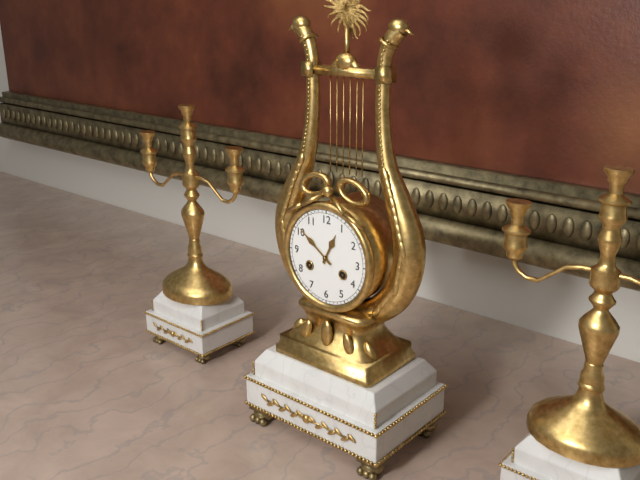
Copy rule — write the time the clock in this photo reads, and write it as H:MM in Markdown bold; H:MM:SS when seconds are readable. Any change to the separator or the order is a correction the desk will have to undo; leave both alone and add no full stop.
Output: **12:51**
